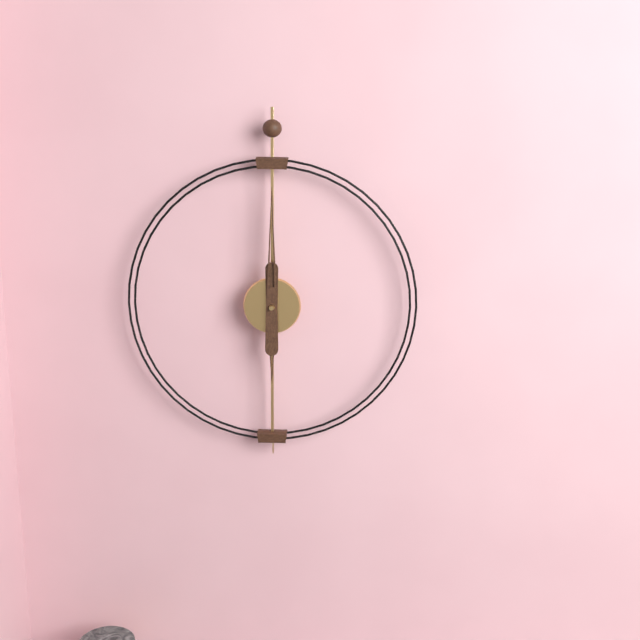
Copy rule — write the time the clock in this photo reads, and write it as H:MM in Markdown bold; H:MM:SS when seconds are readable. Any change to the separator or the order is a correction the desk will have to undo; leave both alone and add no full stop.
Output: **6:00**
